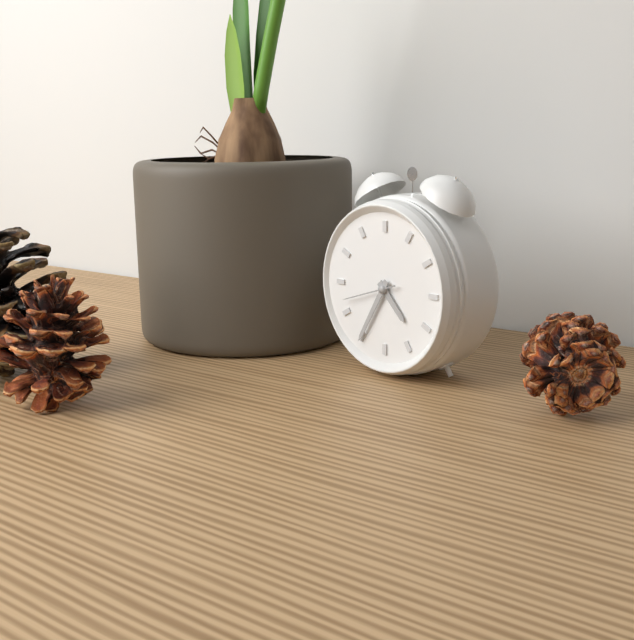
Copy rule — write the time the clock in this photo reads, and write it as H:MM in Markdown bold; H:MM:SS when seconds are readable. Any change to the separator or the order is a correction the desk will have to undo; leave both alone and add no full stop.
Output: **4:35:42**
